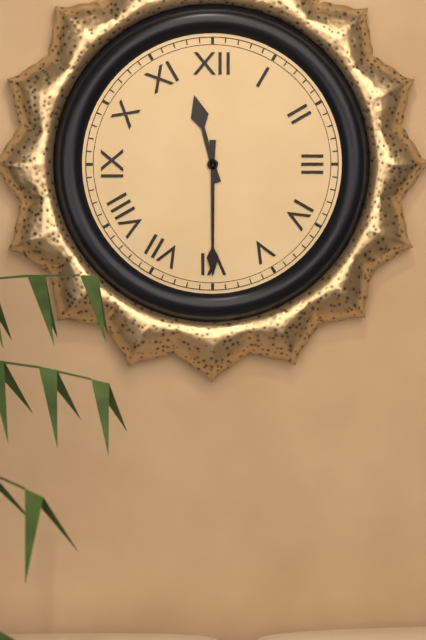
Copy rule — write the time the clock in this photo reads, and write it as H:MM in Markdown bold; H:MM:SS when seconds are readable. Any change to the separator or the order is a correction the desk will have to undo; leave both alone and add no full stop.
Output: **11:30**
